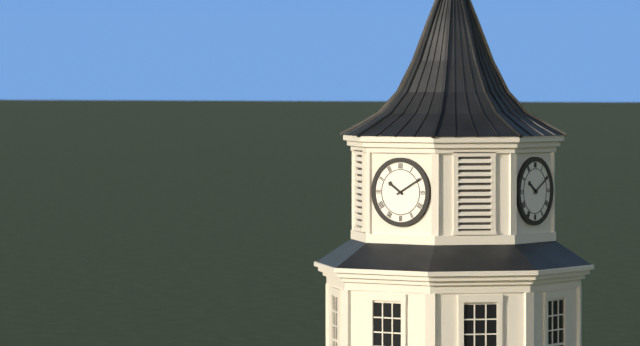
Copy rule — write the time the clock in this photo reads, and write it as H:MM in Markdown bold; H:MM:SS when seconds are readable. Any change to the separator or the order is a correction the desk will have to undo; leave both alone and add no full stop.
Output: **10:10**
